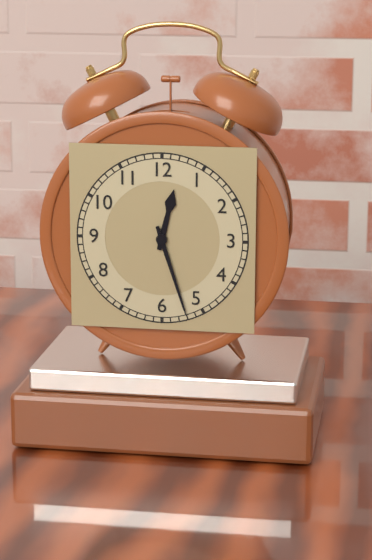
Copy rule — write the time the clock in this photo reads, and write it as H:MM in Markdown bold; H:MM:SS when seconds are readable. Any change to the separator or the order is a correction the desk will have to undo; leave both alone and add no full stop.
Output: **12:27**
